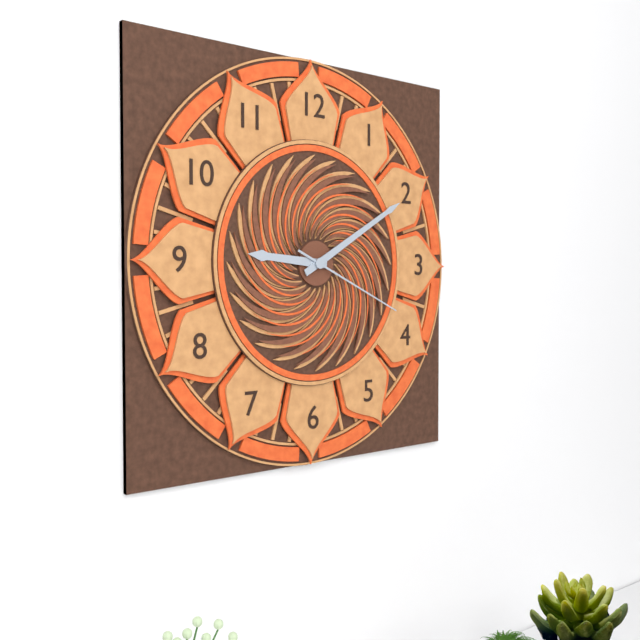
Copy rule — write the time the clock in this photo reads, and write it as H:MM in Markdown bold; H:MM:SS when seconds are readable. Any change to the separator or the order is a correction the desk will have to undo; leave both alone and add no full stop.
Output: **9:10:19**
